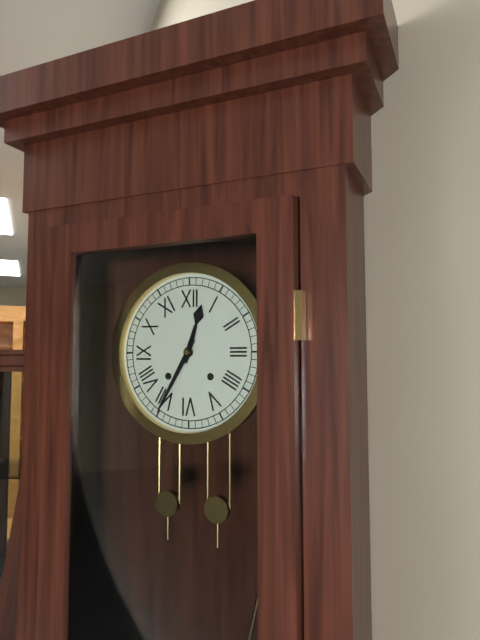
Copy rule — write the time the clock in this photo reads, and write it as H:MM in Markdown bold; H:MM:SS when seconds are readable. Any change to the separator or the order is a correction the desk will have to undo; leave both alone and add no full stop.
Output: **12:35**
